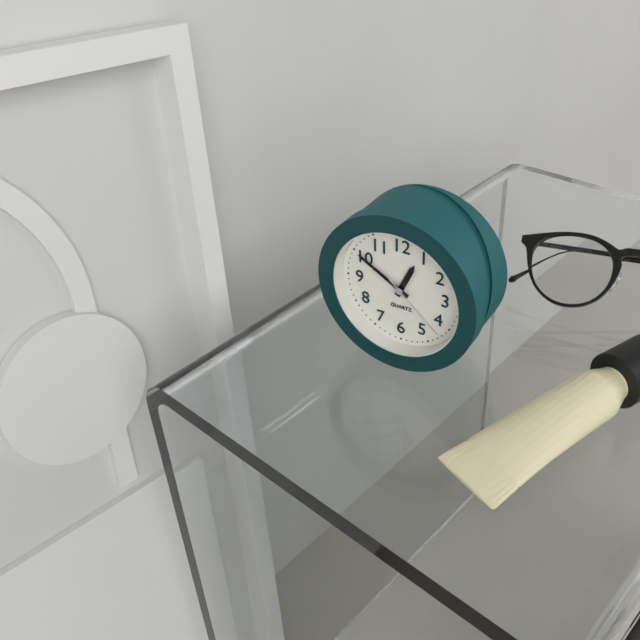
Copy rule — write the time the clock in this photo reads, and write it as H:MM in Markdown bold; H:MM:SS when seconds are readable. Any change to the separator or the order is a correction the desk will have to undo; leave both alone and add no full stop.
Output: **12:50:22**
